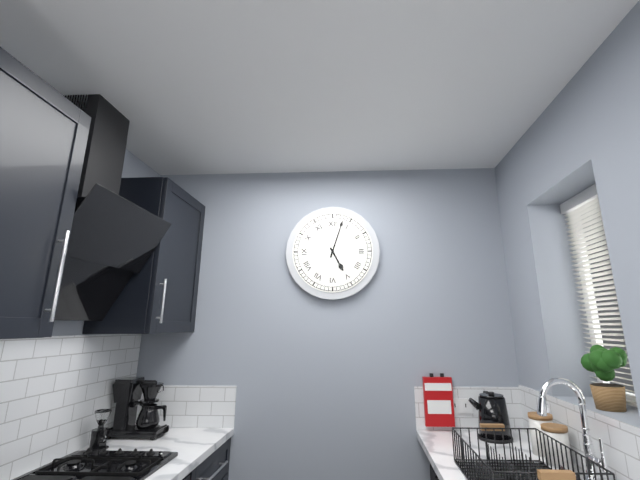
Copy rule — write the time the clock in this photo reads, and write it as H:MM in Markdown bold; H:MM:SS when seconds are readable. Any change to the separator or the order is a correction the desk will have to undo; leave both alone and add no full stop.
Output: **5:03**
